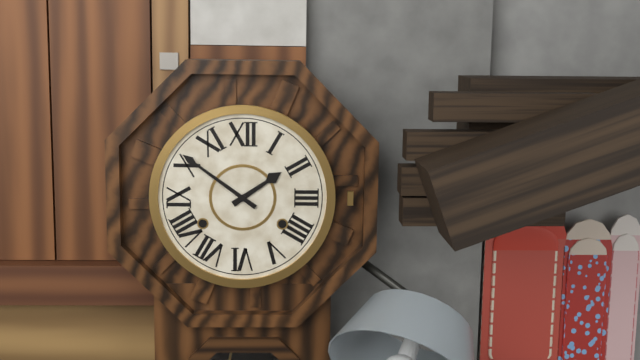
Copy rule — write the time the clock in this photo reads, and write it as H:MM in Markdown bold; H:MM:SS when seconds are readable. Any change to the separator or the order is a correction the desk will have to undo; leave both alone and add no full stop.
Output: **1:51**
